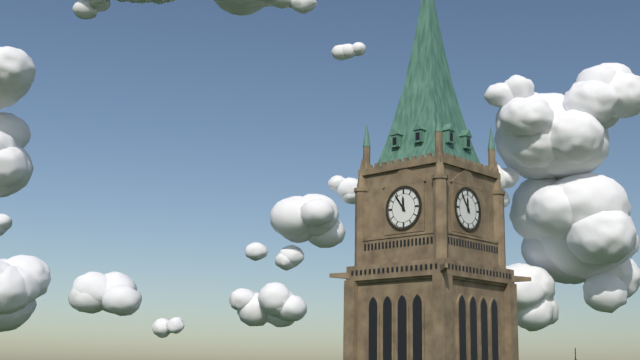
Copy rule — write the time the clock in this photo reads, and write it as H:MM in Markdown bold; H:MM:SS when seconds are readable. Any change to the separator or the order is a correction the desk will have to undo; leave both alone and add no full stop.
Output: **11:54**
